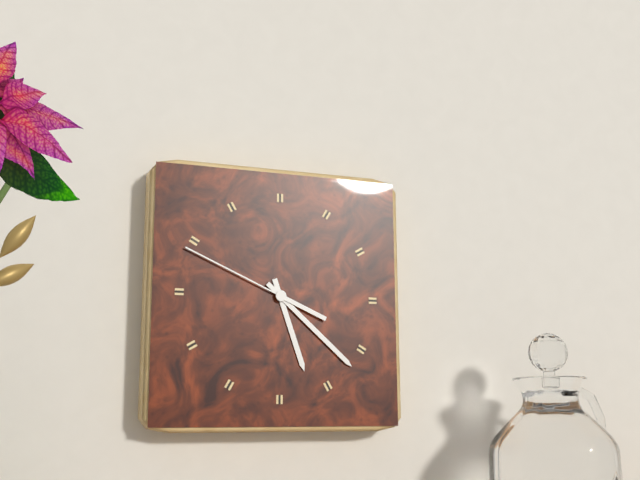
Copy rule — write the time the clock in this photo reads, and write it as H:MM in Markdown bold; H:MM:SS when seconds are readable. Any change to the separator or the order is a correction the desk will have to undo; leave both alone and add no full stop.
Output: **5:22:49**
